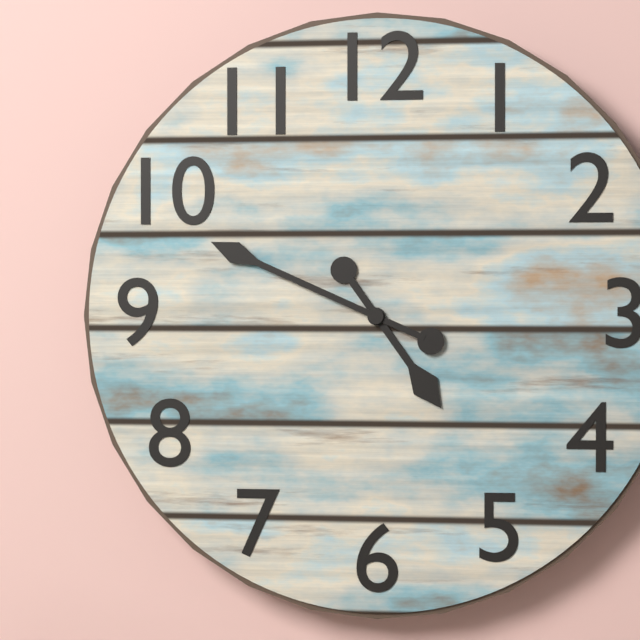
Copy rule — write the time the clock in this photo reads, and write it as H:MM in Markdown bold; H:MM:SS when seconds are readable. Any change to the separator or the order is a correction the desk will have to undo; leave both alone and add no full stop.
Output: **4:49**
